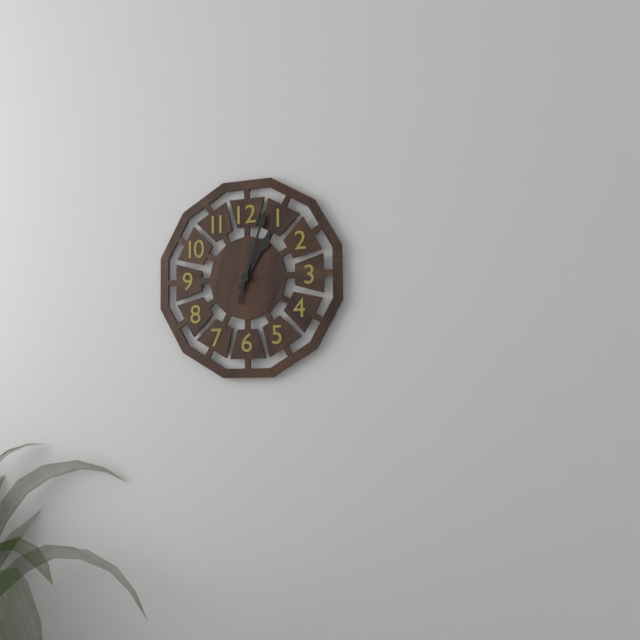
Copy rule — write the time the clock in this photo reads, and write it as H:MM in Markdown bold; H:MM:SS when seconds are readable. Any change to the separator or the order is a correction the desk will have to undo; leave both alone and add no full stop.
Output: **1:03**
